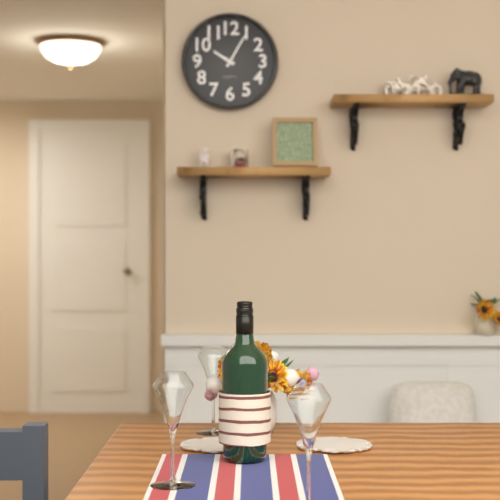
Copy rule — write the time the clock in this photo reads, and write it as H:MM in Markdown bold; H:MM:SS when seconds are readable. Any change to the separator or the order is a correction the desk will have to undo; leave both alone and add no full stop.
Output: **10:05**
